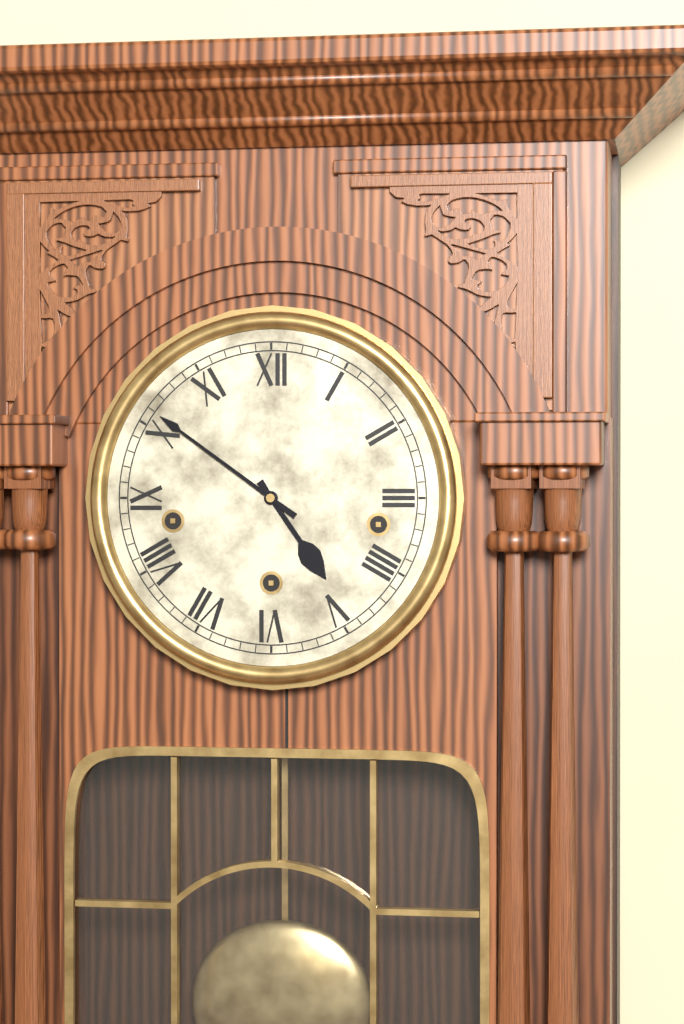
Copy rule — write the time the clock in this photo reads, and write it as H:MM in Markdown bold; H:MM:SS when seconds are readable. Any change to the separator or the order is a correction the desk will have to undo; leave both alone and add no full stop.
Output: **4:51**
